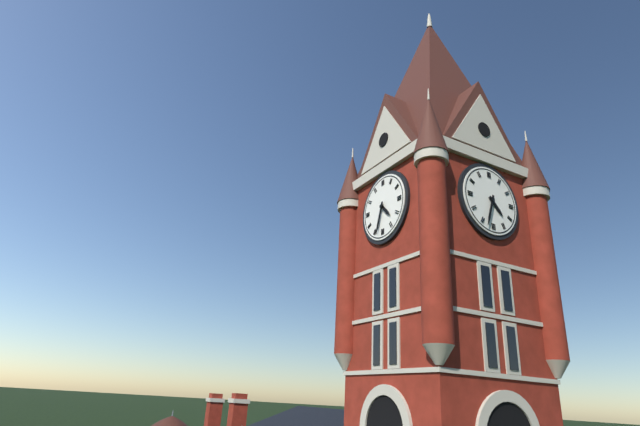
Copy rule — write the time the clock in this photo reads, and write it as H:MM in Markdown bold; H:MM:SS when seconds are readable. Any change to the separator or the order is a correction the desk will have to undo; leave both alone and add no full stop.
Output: **4:33**
